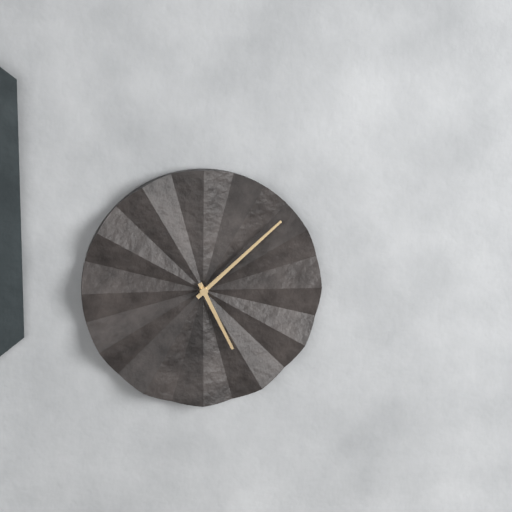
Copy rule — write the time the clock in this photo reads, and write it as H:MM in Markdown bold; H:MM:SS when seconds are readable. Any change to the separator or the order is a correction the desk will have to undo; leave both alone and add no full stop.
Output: **5:08**
